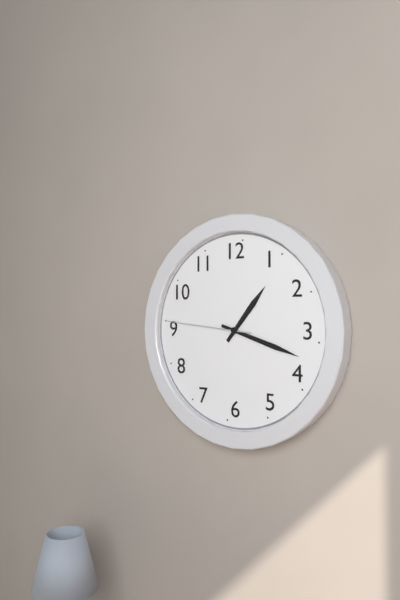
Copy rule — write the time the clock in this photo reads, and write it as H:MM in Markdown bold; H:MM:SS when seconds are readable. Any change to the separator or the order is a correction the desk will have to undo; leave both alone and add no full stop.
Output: **1:18:46**
